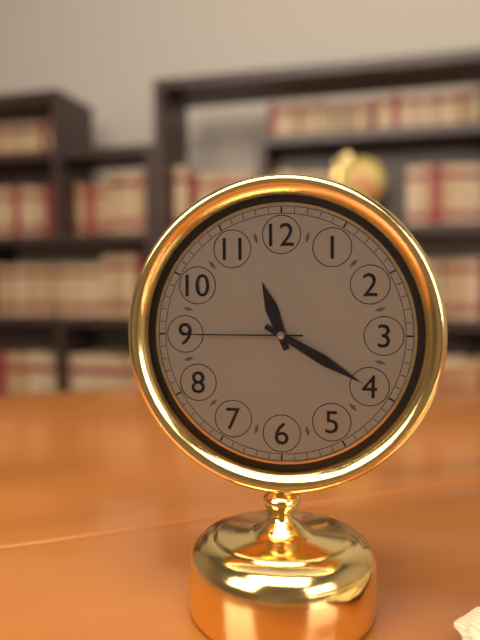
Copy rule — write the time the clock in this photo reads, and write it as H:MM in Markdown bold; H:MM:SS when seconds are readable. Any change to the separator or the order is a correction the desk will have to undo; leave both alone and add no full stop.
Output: **11:20:45**
